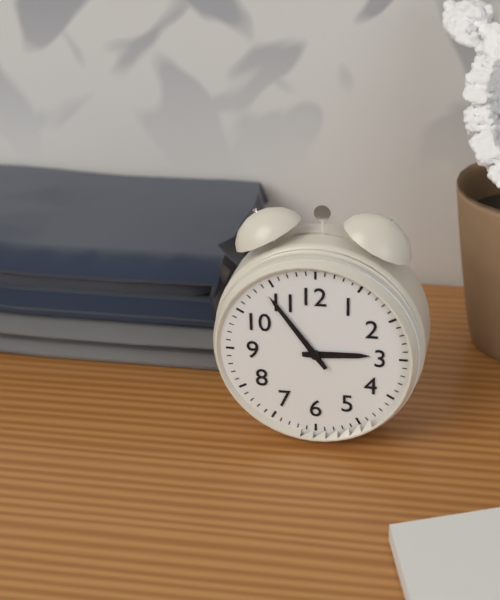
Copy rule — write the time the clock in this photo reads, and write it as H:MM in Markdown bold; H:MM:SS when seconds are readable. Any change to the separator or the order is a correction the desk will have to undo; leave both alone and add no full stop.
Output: **2:54**
